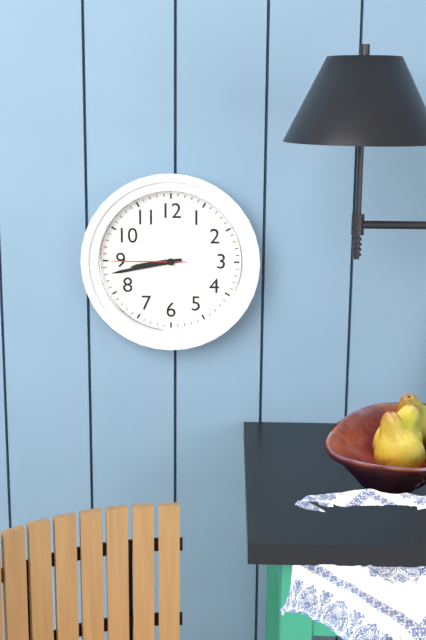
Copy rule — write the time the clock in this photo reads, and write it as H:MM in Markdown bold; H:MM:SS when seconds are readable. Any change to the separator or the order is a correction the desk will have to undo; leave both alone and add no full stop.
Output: **8:43:45**
